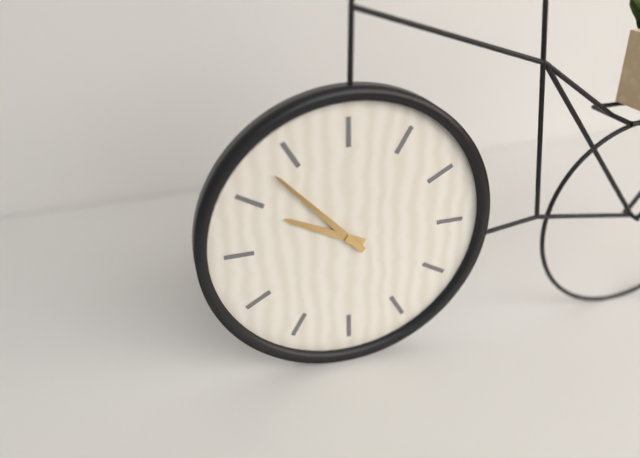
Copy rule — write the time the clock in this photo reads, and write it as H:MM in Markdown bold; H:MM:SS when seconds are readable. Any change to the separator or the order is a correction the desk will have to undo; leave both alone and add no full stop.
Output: **9:53**
